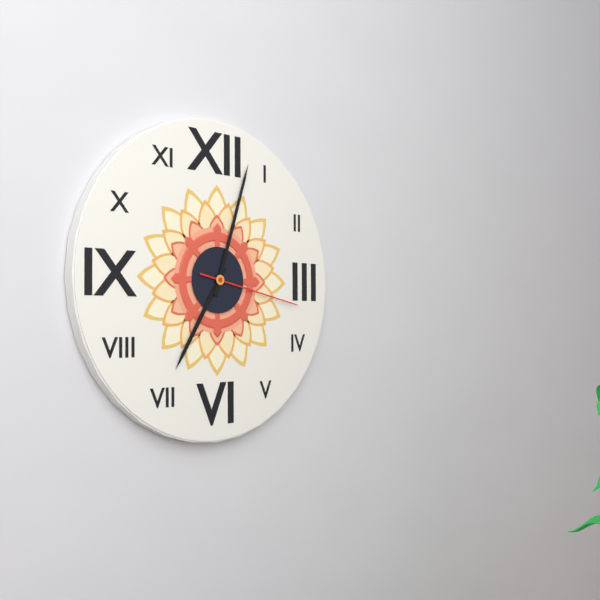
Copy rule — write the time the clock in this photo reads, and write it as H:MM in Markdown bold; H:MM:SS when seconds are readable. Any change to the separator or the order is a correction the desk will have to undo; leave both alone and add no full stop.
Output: **7:03:17**
